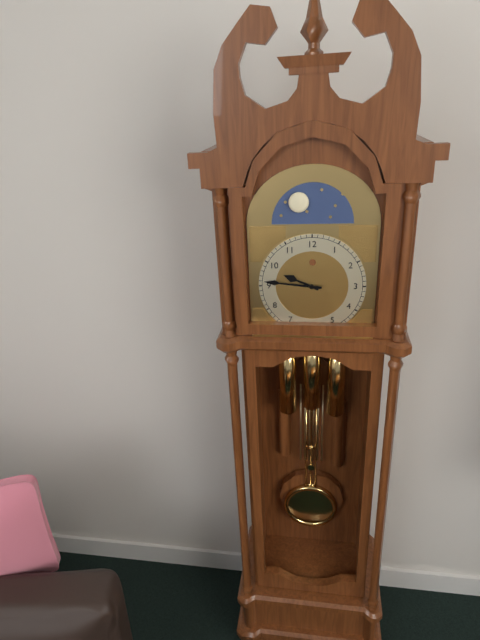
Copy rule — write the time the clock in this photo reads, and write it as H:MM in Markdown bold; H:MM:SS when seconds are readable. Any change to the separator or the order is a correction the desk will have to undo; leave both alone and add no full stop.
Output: **9:46**
